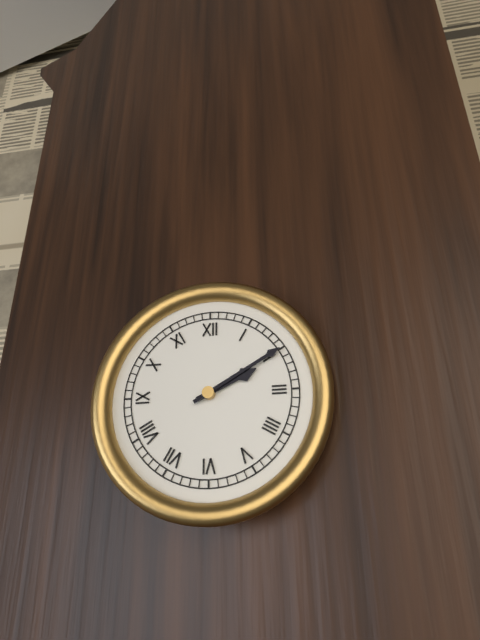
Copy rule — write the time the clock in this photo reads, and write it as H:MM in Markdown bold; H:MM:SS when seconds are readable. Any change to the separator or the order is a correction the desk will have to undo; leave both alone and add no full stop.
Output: **2:10**
